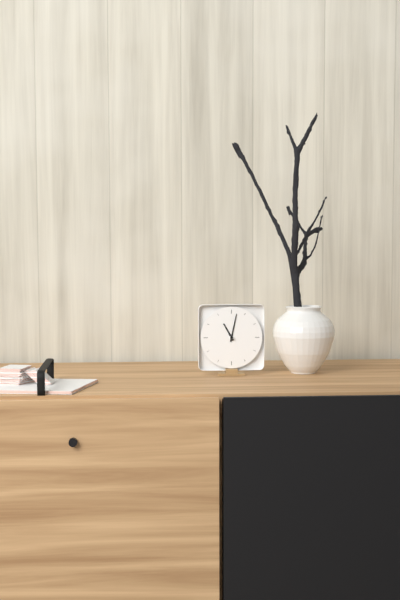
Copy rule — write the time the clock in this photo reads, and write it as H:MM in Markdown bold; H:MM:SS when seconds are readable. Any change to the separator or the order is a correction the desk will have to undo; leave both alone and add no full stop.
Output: **11:02**
